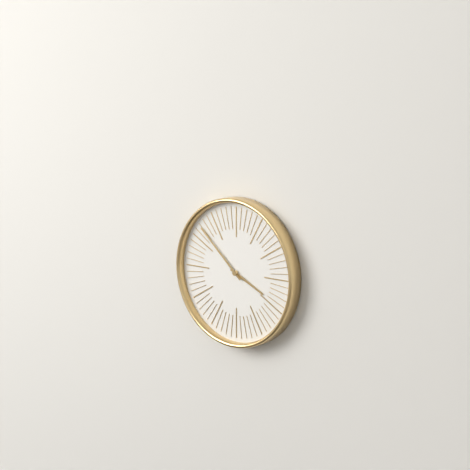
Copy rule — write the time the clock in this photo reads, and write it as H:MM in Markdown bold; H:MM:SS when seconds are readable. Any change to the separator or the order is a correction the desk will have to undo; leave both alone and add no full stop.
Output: **3:52**
